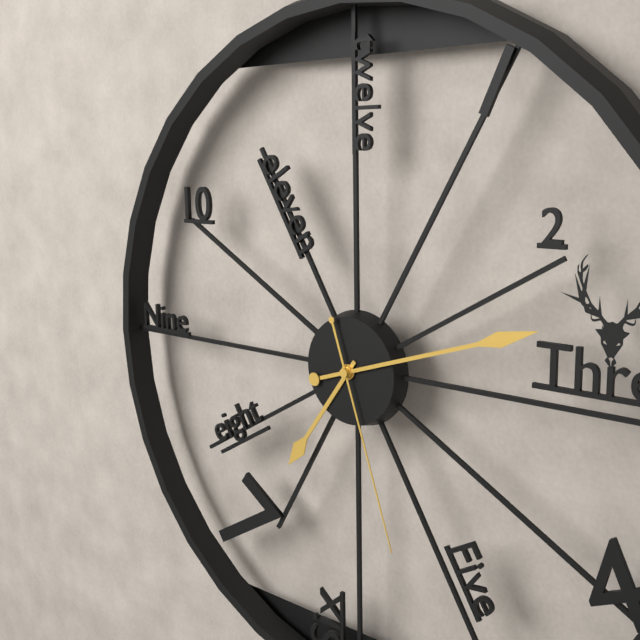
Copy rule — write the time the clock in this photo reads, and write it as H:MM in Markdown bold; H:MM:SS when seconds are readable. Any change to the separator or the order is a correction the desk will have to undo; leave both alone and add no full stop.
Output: **7:12:27**
